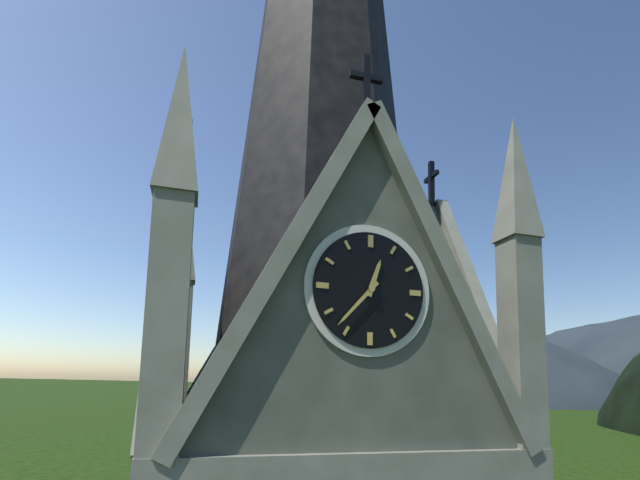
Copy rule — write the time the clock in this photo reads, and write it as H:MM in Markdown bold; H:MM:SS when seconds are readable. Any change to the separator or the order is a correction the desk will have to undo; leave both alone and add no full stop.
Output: **12:37**
